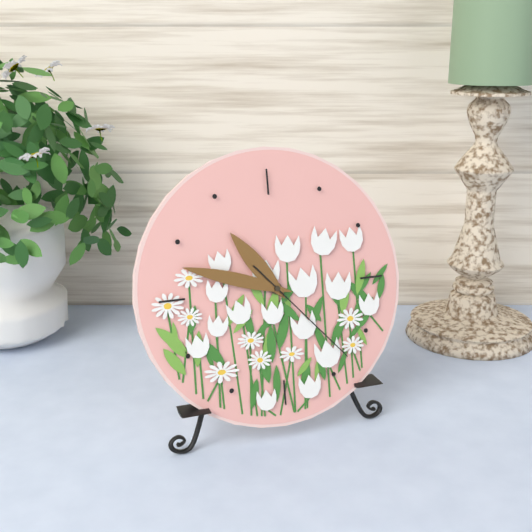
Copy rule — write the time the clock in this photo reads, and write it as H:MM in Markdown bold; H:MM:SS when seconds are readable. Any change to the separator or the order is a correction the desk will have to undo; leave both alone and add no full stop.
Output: **10:48:23**
